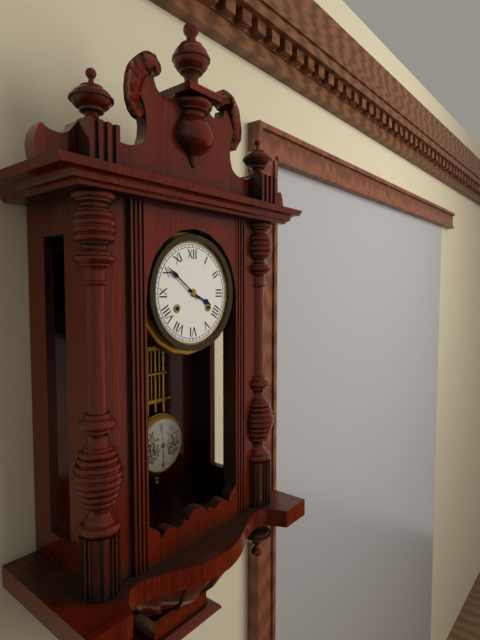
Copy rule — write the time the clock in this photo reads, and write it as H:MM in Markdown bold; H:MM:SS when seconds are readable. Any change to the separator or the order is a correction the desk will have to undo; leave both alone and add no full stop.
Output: **3:51**
